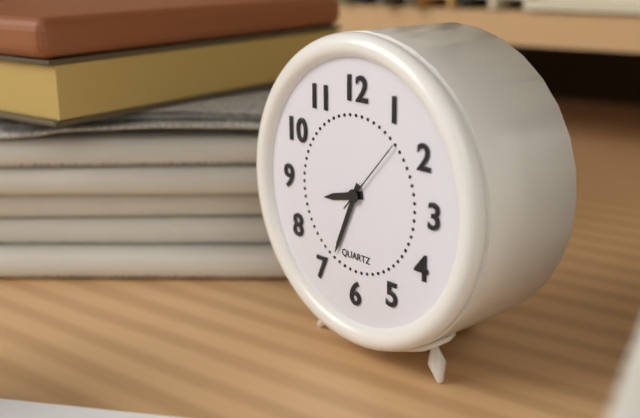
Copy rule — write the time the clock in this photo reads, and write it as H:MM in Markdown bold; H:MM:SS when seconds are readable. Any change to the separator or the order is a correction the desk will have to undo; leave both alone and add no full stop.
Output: **8:34:07**
